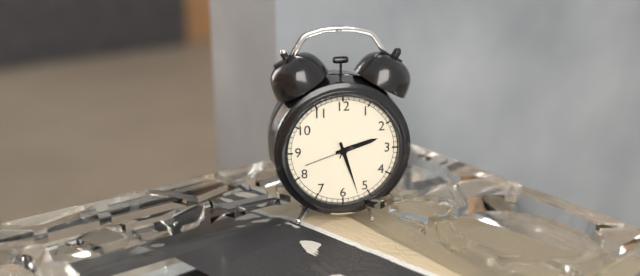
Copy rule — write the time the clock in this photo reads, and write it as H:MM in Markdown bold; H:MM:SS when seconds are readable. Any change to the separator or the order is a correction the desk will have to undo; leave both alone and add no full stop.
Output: **2:27:42**
